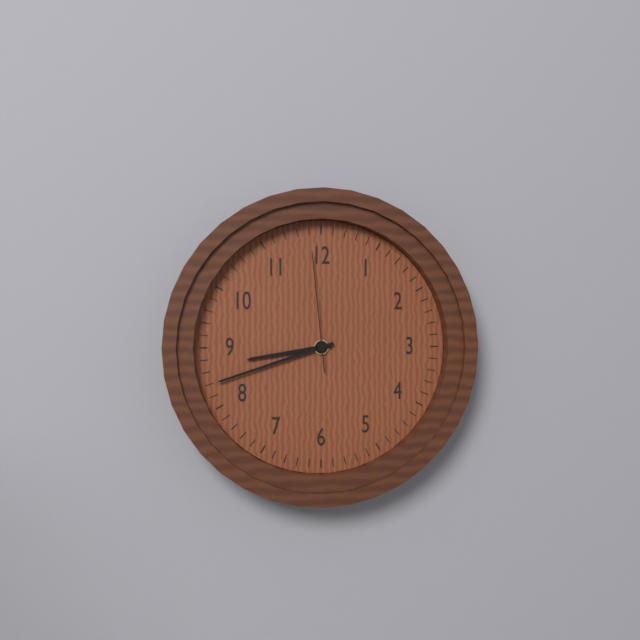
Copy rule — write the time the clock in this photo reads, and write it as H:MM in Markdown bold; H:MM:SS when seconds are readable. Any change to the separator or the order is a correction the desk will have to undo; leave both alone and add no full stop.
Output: **8:42:59**
